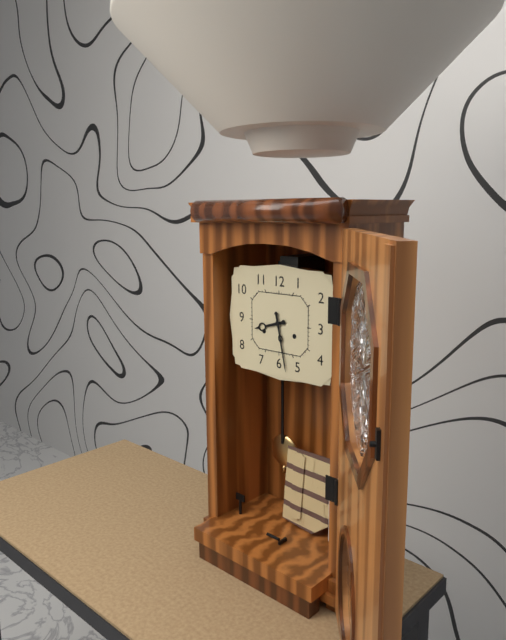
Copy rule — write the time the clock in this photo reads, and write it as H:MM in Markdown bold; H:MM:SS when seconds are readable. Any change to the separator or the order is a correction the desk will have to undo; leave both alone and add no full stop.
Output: **8:28**
